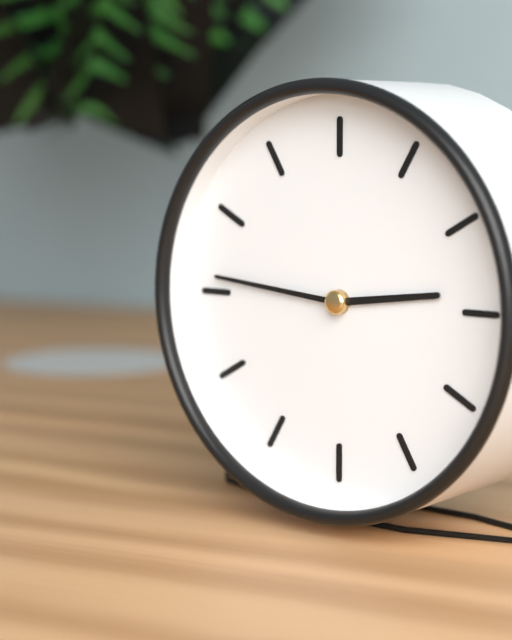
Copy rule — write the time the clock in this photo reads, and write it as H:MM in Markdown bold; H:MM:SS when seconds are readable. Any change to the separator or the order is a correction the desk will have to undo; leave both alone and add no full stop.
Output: **2:46**
